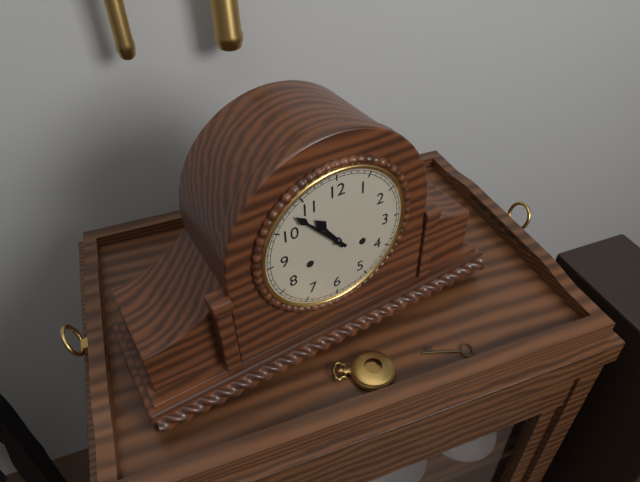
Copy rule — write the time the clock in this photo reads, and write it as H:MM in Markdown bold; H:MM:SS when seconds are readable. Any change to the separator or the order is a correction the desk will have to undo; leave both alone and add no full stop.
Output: **10:53**
